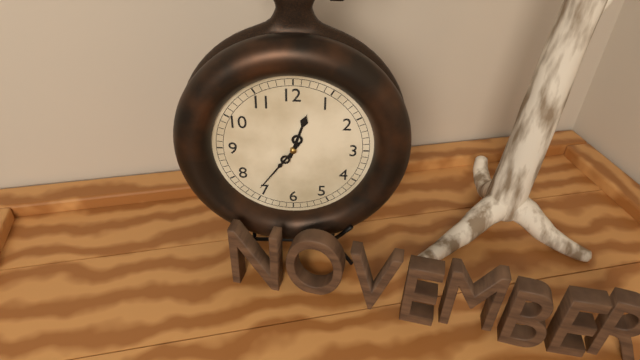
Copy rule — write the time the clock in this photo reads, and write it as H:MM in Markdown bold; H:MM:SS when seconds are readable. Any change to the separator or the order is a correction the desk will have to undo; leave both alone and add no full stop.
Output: **12:36**
